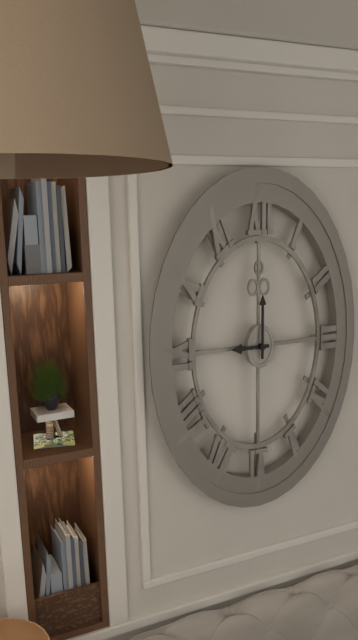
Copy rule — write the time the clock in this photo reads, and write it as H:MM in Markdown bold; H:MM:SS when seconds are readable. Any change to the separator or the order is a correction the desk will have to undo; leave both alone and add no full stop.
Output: **9:00**
